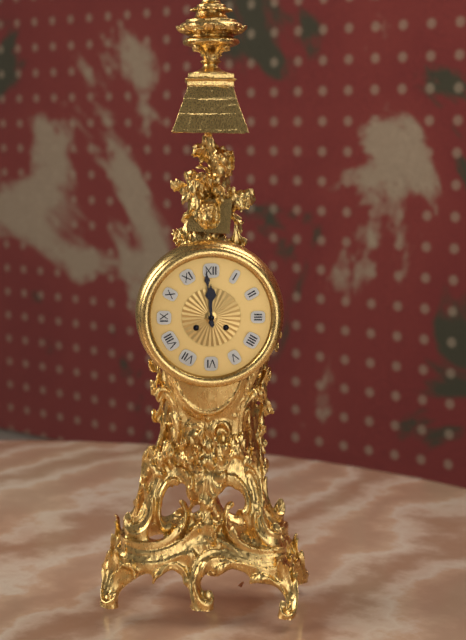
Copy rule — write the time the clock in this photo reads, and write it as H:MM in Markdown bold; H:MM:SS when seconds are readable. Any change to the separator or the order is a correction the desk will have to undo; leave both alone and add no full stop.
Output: **11:59**
